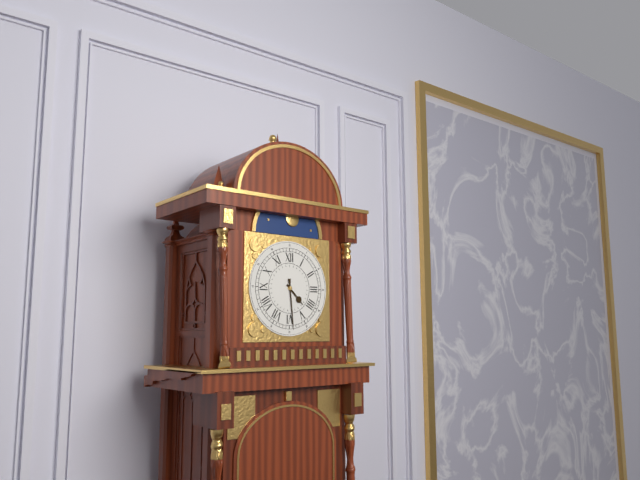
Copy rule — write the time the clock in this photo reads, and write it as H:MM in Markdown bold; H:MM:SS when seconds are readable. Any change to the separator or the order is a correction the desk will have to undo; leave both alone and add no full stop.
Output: **4:29**
